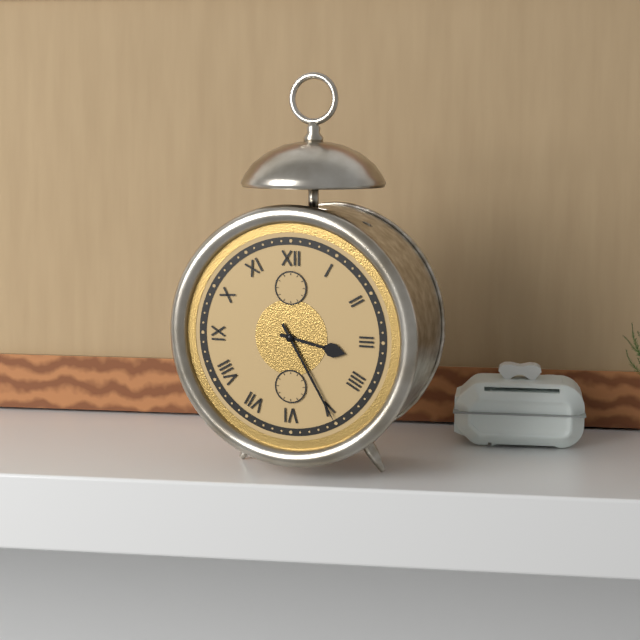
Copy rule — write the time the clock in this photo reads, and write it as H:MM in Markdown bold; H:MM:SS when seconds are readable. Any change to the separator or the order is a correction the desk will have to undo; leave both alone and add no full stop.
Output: **3:25**
